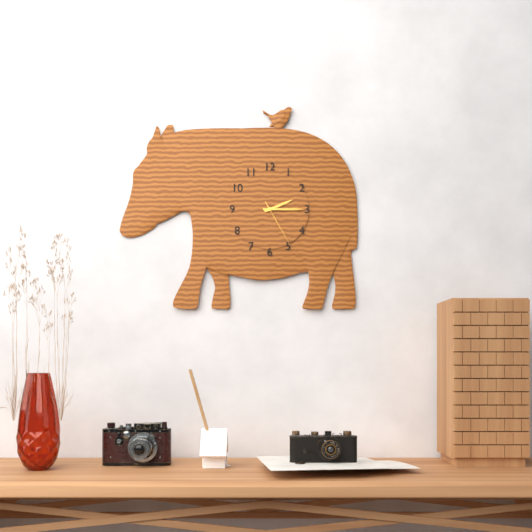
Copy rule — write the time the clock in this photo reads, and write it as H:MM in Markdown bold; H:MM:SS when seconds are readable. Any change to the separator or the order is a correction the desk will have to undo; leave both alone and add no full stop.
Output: **2:15:25**
